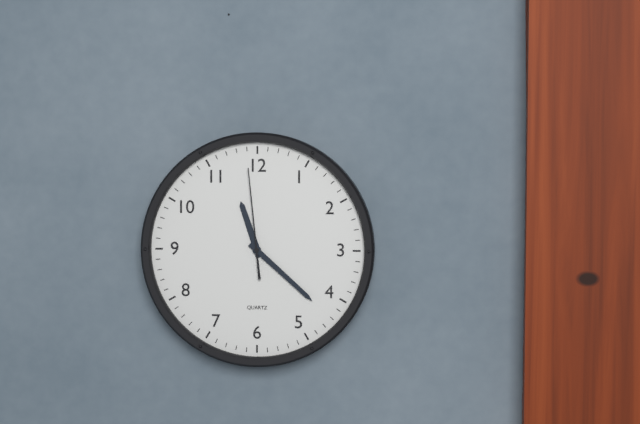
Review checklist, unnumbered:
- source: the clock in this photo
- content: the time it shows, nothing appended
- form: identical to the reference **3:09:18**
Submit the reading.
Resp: **11:22:59**
